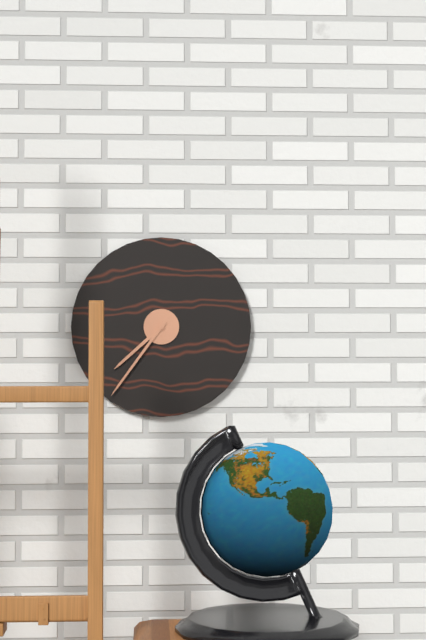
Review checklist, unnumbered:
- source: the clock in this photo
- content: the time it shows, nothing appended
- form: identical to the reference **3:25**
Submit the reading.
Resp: **7:36**
